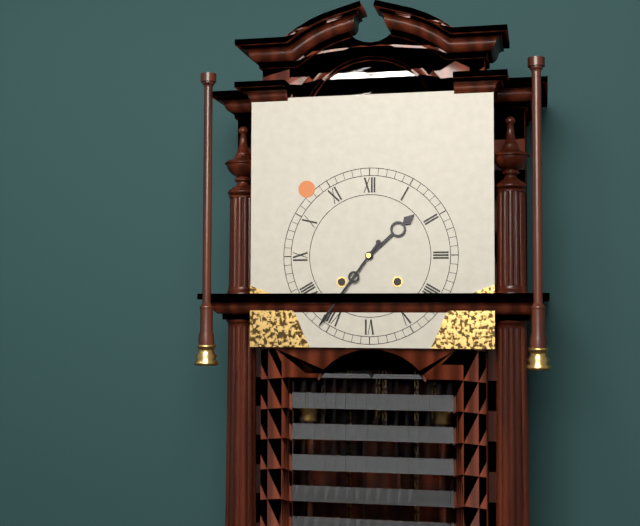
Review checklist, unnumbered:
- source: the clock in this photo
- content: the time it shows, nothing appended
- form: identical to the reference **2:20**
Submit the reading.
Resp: **1:36**
